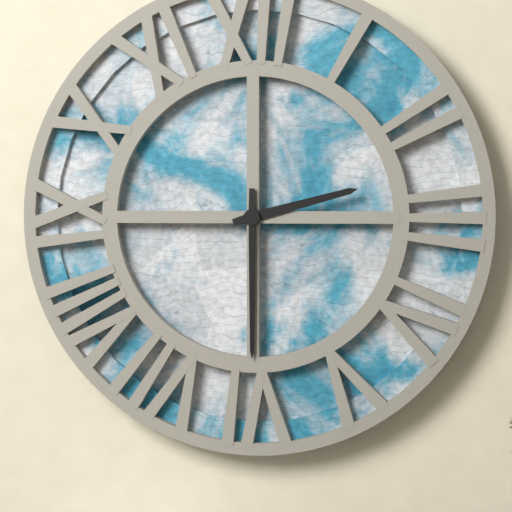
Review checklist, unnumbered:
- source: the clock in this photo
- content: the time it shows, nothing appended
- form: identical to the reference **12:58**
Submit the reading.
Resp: **2:30**
